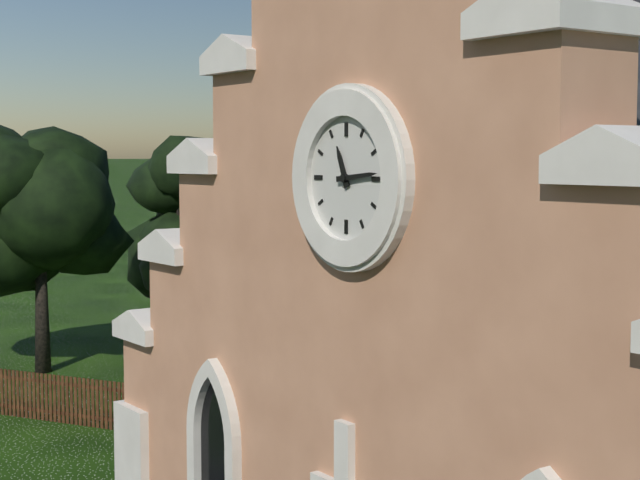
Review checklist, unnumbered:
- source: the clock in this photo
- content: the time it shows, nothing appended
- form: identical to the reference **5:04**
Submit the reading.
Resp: **11:14**
